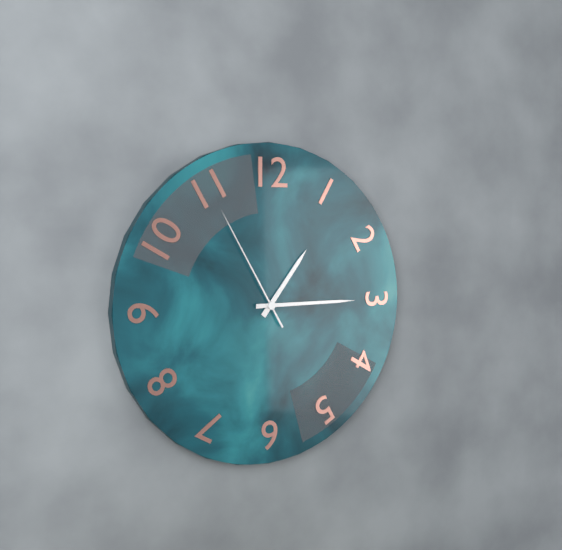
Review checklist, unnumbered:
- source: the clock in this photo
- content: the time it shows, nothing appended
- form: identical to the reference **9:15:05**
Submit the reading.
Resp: **1:15:55**
